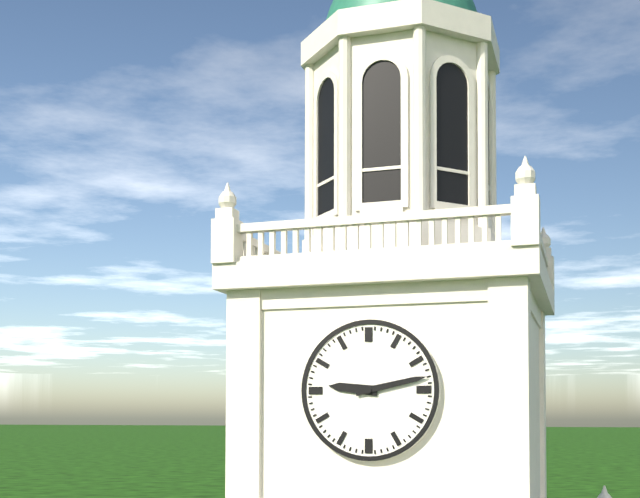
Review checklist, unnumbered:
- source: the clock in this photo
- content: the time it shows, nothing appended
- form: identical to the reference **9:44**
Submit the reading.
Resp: **9:13**
